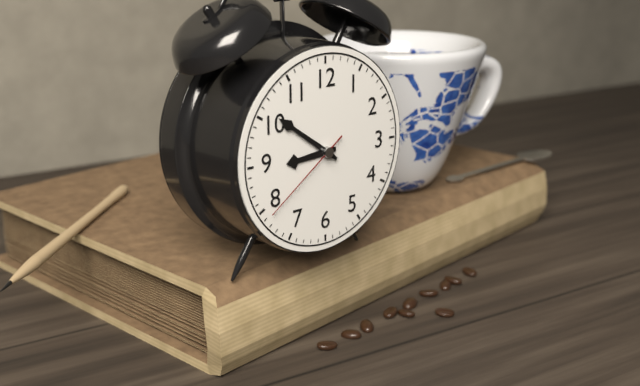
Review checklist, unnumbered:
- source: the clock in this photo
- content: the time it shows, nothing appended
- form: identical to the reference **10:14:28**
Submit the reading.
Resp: **8:51:39**
